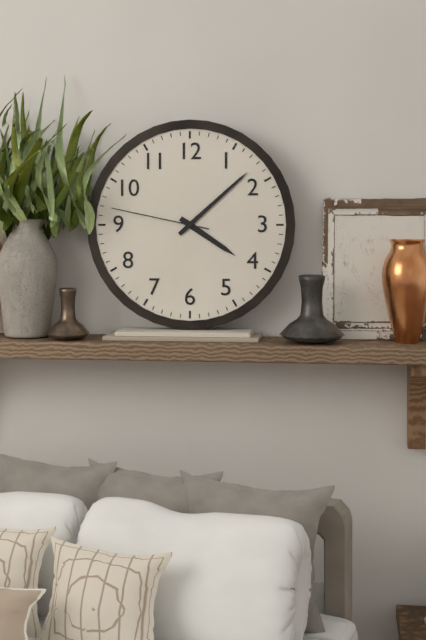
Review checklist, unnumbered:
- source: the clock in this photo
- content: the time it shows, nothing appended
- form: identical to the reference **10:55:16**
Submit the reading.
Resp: **4:08:47**
